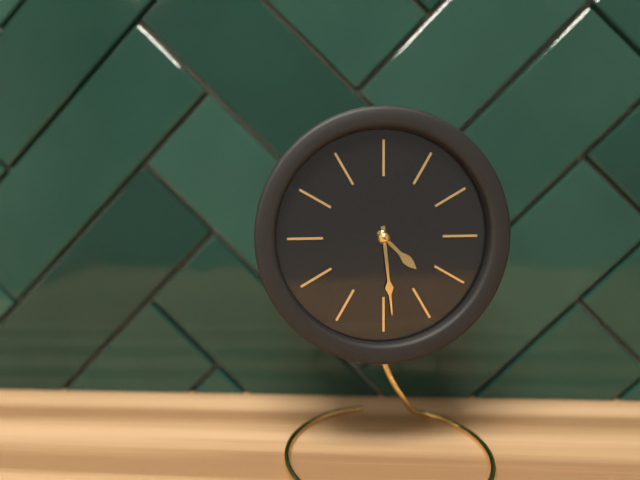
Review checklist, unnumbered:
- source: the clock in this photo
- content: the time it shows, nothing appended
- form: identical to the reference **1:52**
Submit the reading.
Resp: **4:29**
